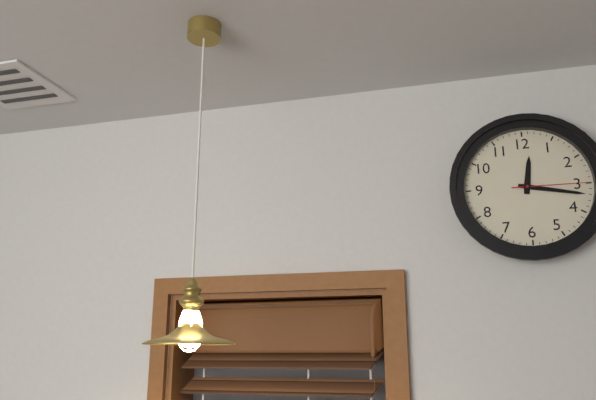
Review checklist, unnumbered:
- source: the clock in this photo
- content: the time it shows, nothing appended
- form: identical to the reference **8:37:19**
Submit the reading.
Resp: **12:17:15**
